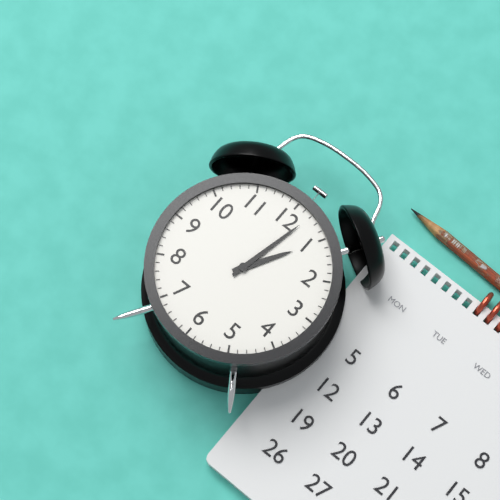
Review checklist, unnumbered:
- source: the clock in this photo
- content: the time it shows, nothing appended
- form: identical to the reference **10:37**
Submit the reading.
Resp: **1:02**
